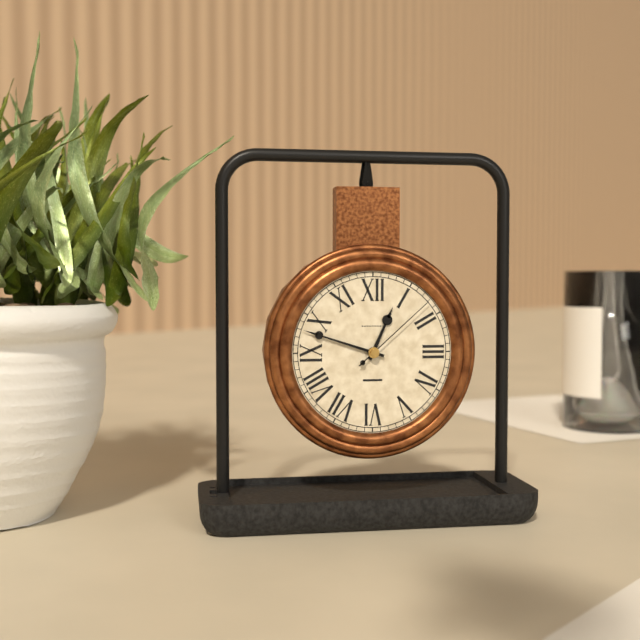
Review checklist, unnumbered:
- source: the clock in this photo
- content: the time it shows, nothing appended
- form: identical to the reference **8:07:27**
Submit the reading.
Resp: **12:48:08**
